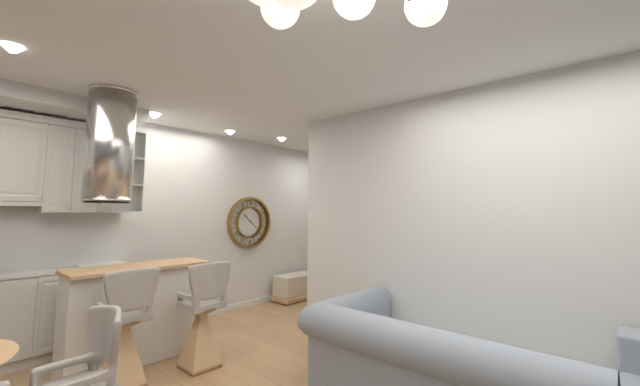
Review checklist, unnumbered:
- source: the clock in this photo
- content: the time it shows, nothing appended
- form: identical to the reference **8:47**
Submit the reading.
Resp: **10:22**
